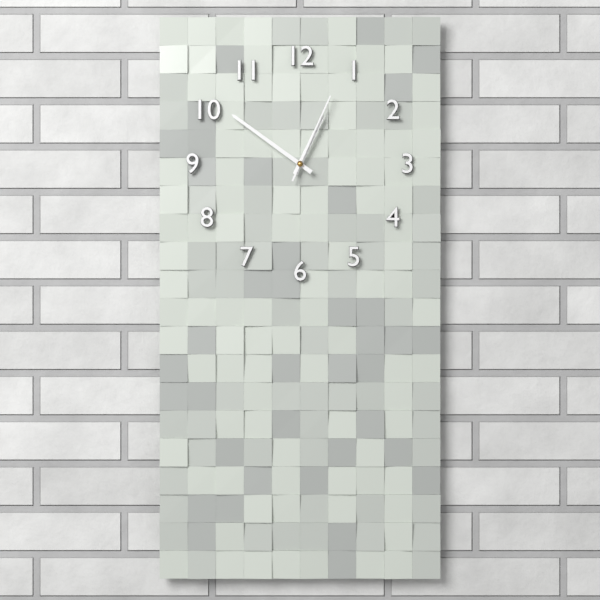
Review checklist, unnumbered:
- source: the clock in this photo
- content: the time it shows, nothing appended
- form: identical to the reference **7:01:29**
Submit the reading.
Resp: **12:51:04**
